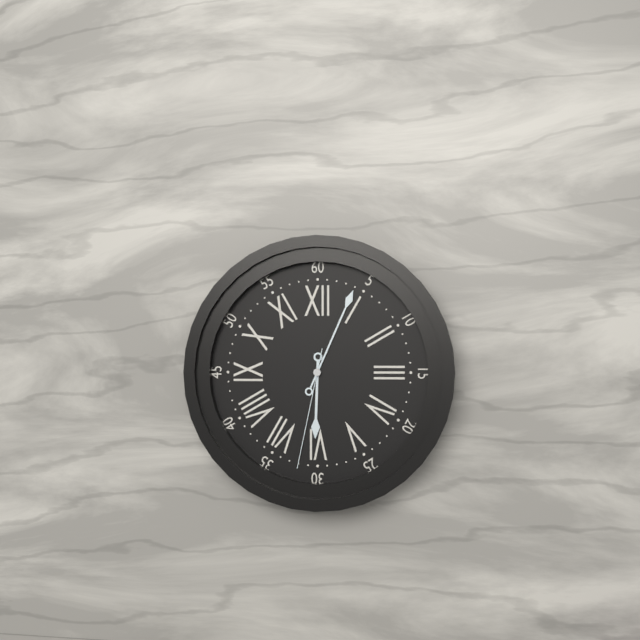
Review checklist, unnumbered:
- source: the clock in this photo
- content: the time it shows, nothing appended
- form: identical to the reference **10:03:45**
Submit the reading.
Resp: **6:04:32**
